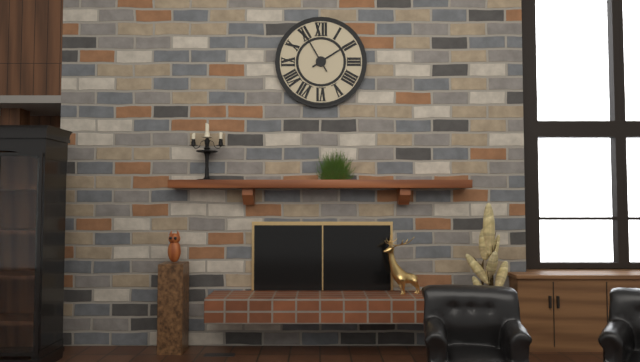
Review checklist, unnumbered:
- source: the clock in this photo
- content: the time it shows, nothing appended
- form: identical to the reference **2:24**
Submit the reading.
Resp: **1:55**
